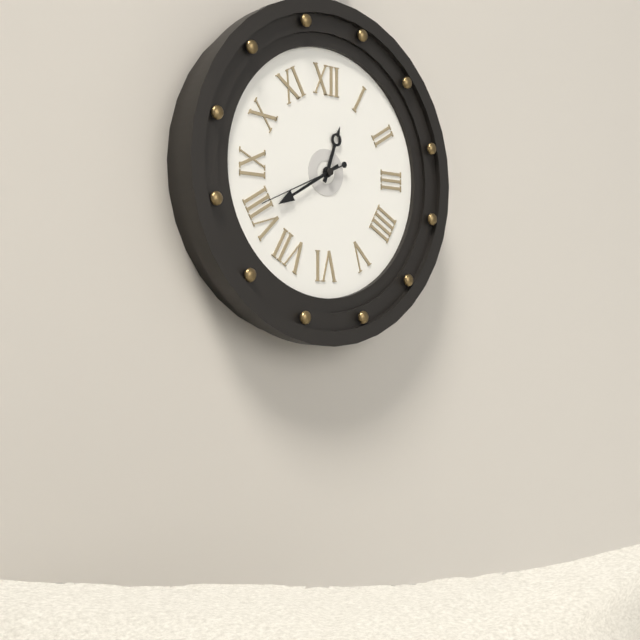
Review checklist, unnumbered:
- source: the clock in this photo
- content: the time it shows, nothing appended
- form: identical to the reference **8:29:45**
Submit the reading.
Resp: **12:40:41**
